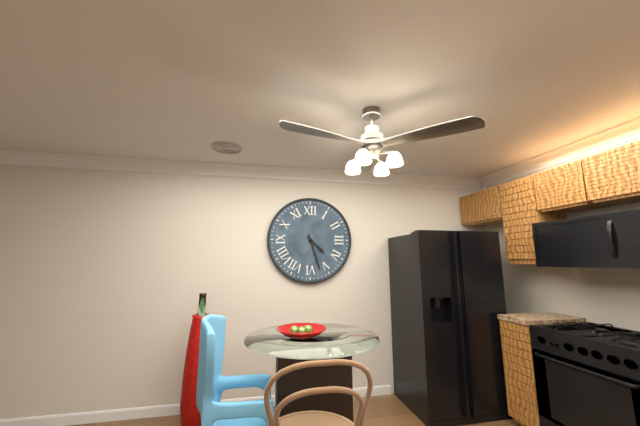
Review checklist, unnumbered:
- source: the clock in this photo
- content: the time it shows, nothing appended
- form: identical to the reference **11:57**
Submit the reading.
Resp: **4:27**
